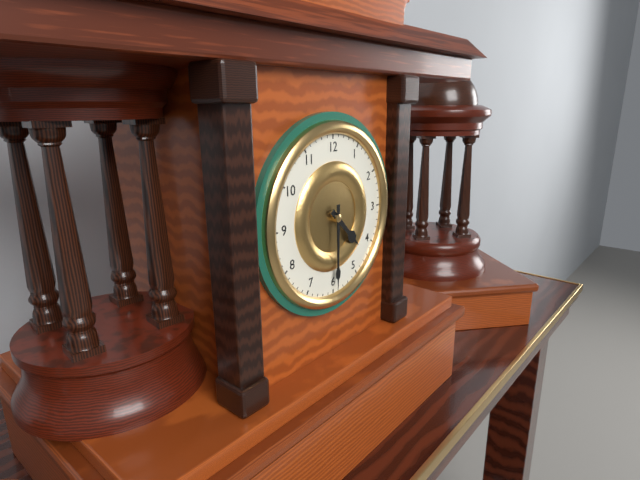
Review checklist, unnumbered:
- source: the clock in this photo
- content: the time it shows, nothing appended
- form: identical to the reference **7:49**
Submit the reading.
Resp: **4:30**
